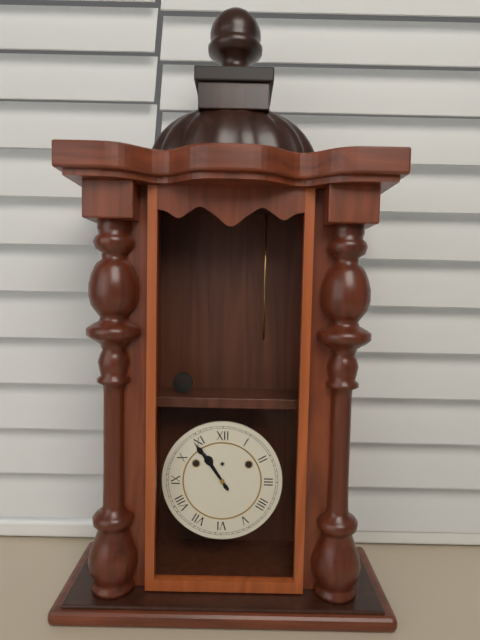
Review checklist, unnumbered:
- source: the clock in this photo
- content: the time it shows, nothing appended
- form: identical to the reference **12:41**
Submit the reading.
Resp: **10:54**
